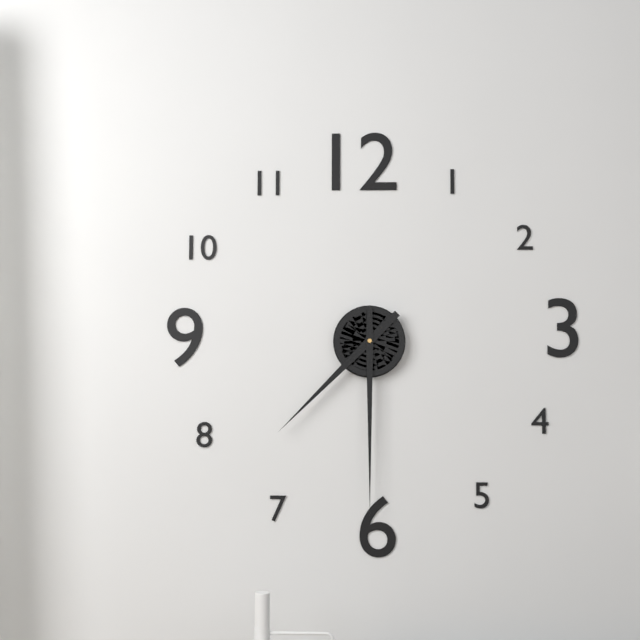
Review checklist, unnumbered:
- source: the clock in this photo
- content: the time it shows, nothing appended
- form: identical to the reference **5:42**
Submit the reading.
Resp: **7:30**
